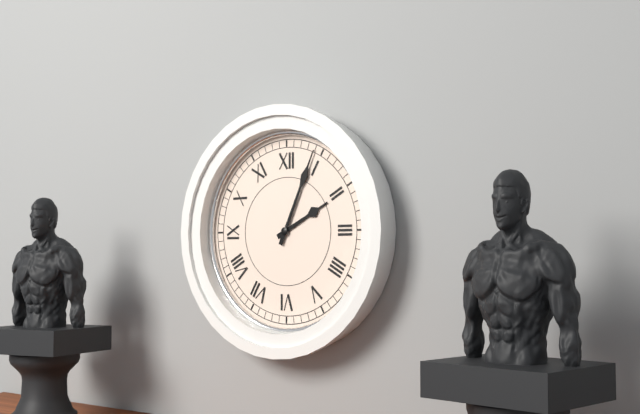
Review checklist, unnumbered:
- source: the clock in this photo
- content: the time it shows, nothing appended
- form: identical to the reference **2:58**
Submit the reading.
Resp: **2:04**
